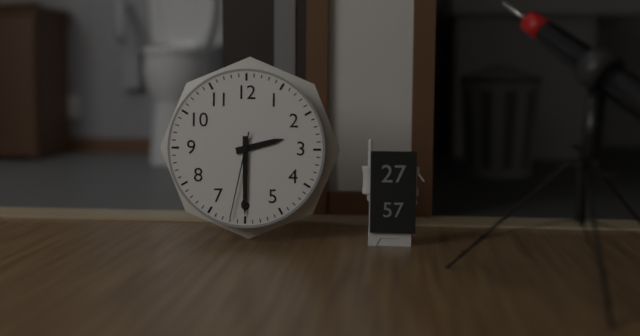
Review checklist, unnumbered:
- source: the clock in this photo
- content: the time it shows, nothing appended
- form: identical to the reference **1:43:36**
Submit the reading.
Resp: **2:30:32**
